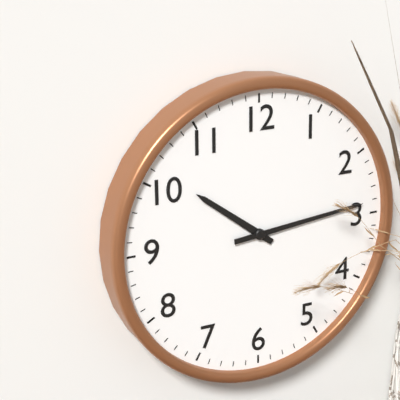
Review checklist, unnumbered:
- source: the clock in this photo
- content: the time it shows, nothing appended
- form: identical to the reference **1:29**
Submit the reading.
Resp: **10:14**
